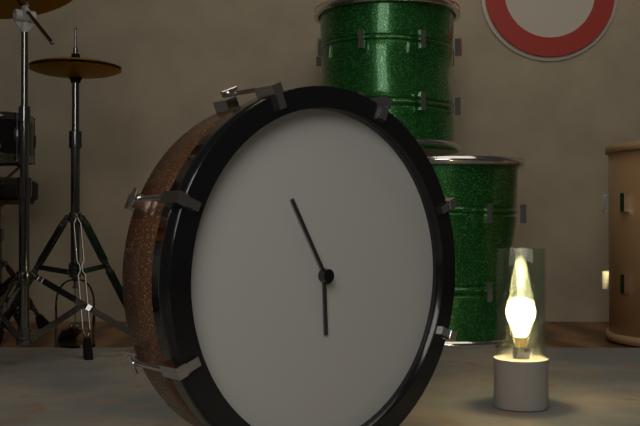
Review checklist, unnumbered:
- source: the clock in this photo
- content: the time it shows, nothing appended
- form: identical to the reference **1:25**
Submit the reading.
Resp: **5:55**
